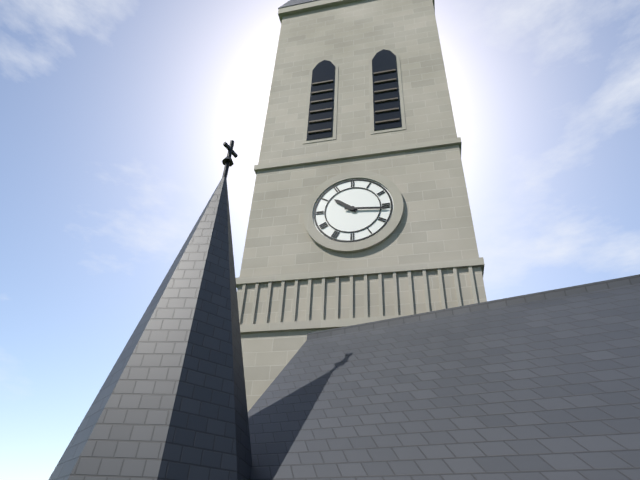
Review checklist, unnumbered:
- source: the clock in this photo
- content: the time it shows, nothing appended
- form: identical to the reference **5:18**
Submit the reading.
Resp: **10:16**
